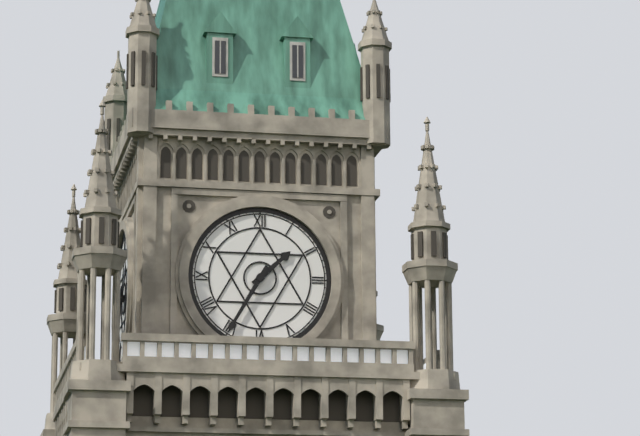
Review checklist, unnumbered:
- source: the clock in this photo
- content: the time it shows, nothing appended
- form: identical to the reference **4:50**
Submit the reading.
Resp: **1:35**
